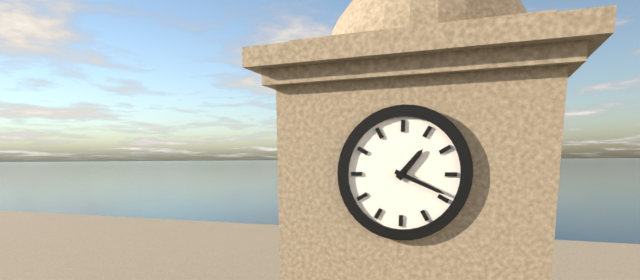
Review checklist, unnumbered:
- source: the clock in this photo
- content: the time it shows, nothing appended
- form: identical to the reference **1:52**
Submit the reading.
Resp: **1:19**
